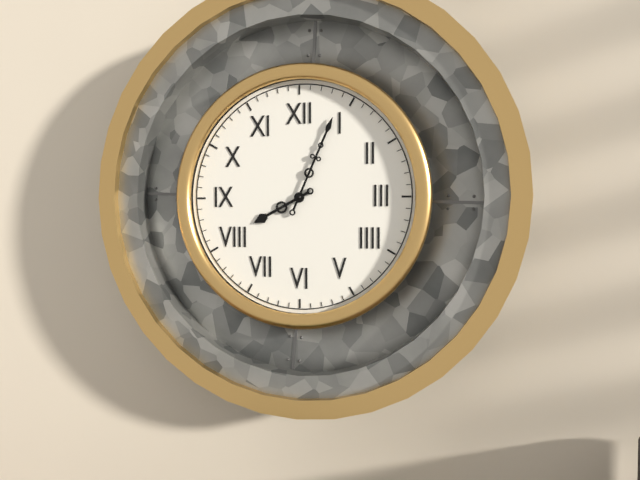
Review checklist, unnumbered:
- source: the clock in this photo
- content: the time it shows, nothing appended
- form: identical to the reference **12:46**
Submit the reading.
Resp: **8:04**
